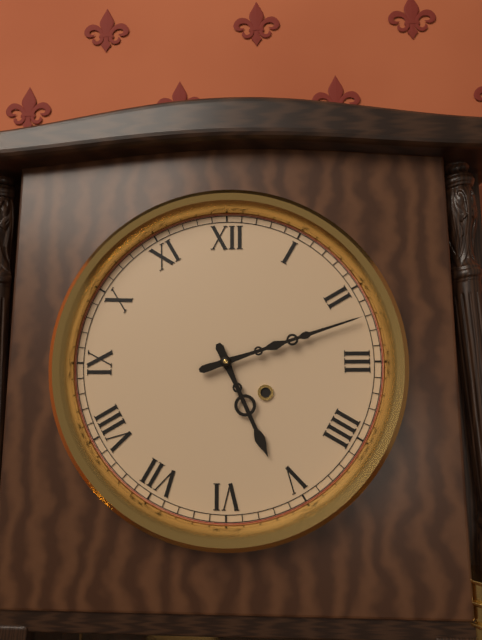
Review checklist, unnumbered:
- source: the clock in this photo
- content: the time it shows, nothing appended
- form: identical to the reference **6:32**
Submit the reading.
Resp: **5:12**
